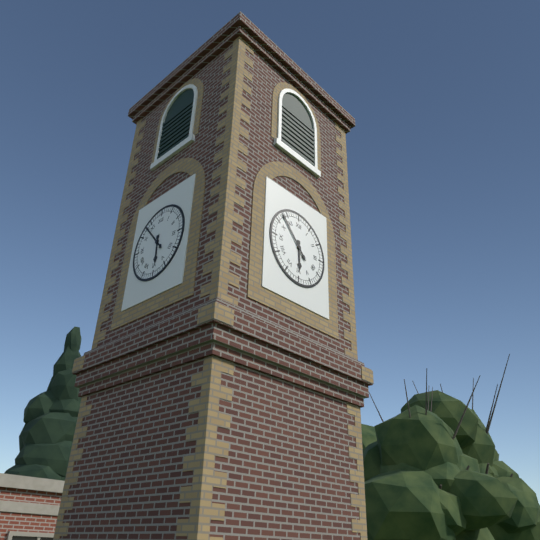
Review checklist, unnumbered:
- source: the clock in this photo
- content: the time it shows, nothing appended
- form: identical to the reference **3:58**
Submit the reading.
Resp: **5:53**
